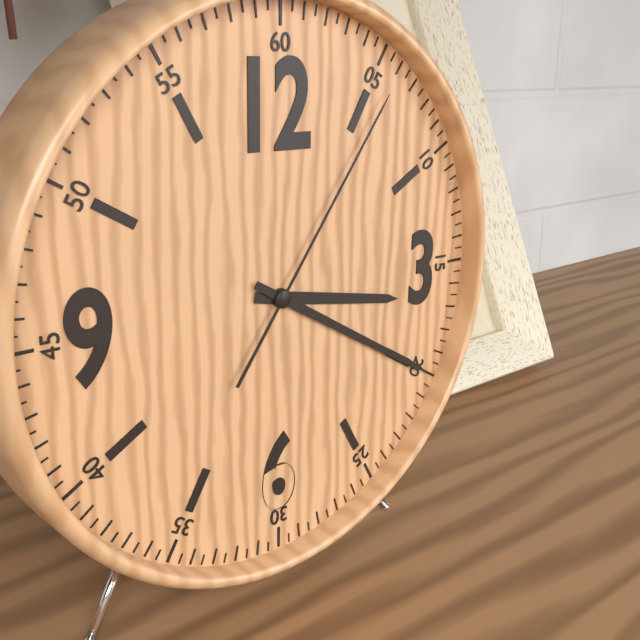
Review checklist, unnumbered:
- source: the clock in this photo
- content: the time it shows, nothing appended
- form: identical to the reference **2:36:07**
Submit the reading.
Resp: **3:20:06**
